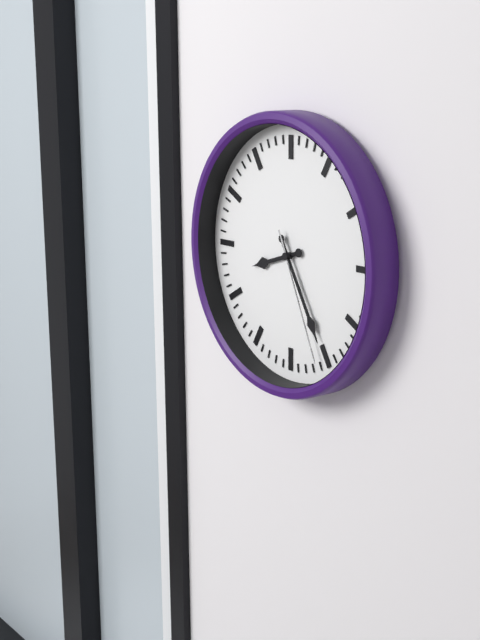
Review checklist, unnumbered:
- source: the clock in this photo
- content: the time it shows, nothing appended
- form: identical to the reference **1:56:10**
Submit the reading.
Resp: **8:25:26**
